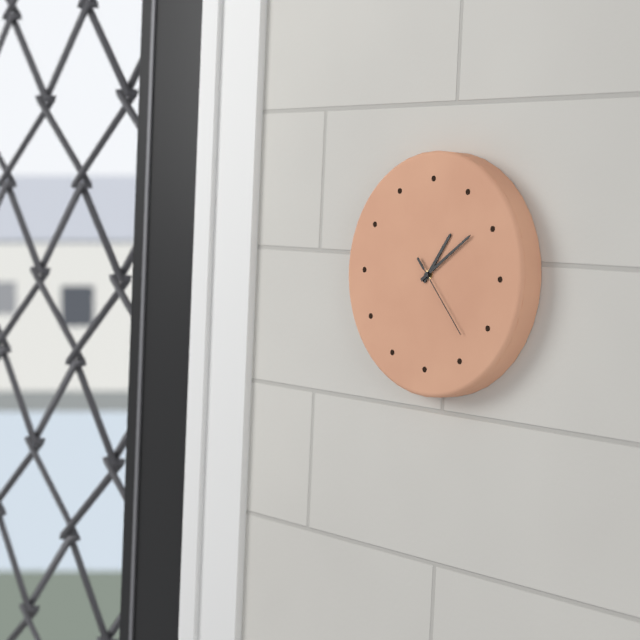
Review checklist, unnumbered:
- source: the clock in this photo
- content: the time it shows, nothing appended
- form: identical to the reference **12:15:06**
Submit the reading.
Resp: **1:09:23**
